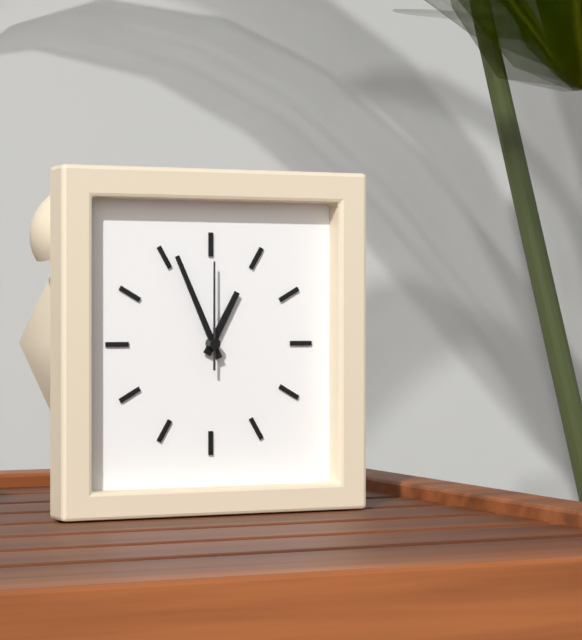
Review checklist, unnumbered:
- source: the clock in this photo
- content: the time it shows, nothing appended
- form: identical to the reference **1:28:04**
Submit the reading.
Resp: **12:56:00**
